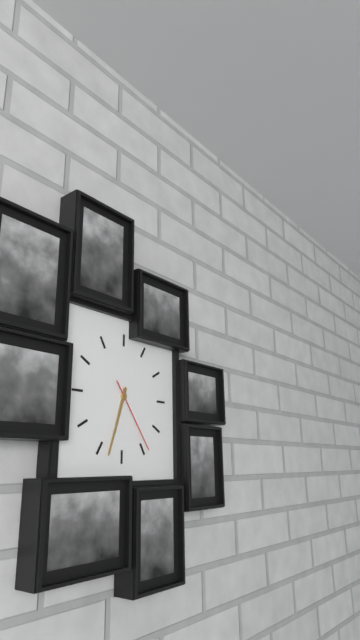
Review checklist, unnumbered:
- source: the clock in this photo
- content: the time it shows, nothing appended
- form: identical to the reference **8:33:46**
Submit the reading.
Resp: **6:33:24**
